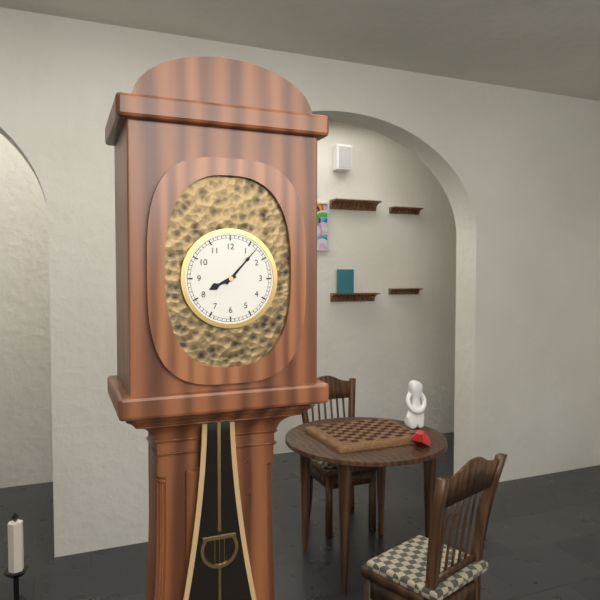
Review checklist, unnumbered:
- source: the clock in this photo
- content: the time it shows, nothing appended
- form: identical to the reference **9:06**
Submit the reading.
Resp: **8:07**
